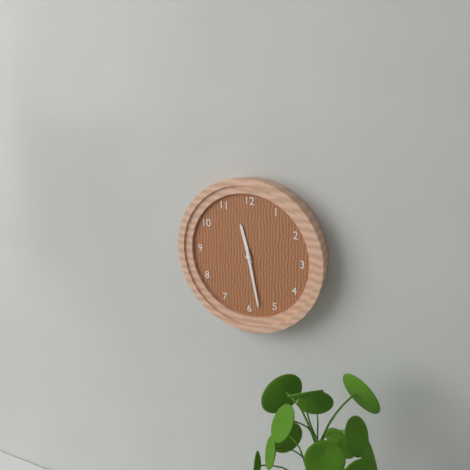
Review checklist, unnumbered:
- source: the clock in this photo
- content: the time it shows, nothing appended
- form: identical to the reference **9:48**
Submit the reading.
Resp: **11:28**
